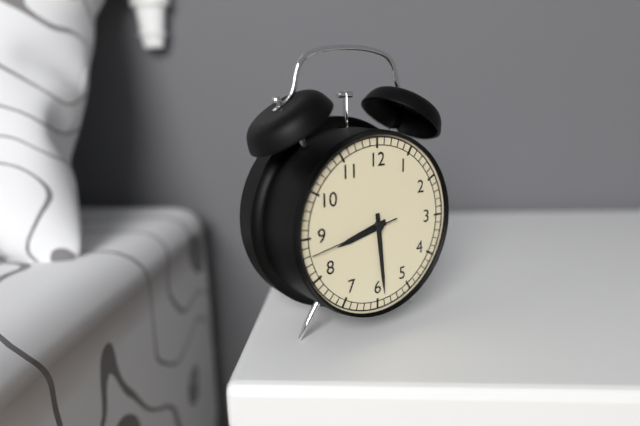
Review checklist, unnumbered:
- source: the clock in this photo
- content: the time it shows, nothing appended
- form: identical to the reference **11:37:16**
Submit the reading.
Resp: **8:29:43**
